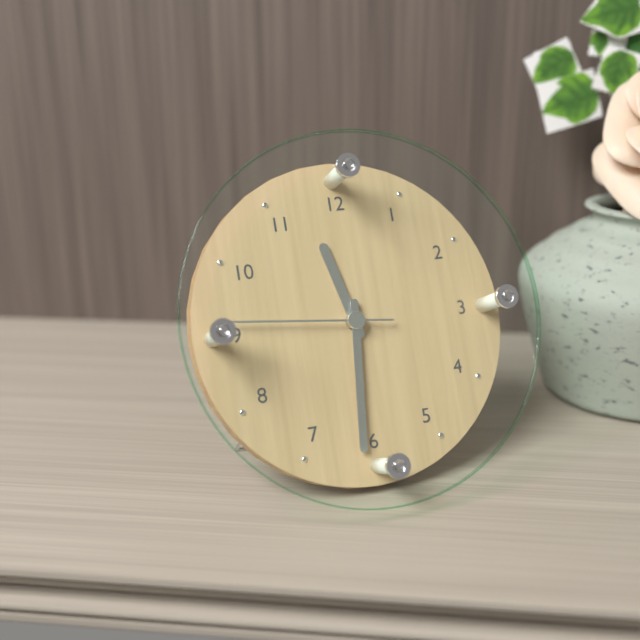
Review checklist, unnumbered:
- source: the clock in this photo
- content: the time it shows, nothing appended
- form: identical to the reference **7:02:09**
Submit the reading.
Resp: **11:31:46**
